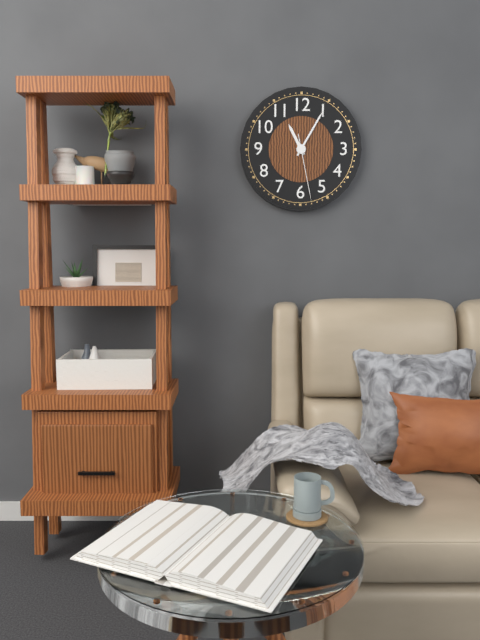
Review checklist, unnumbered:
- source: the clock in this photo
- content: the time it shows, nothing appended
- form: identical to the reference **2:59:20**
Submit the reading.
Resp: **11:05:28**
